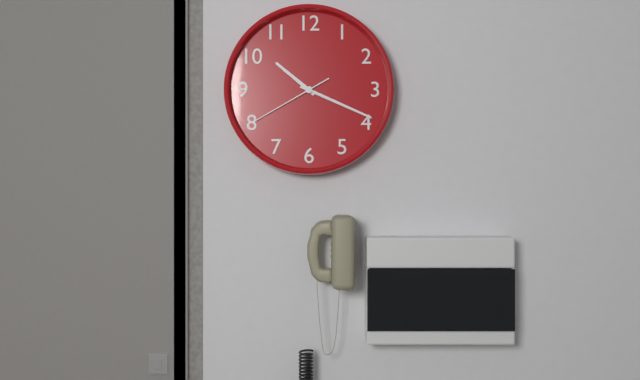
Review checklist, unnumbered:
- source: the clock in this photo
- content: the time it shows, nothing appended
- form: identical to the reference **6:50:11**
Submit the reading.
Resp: **10:19:40**
